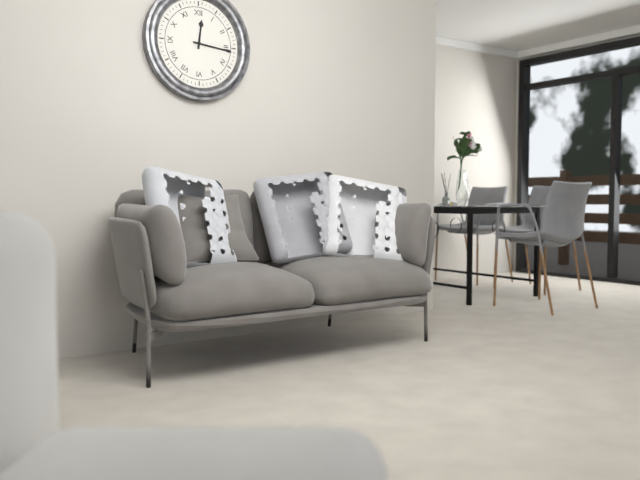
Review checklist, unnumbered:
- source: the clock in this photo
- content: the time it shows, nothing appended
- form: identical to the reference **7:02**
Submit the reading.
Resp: **12:16**
